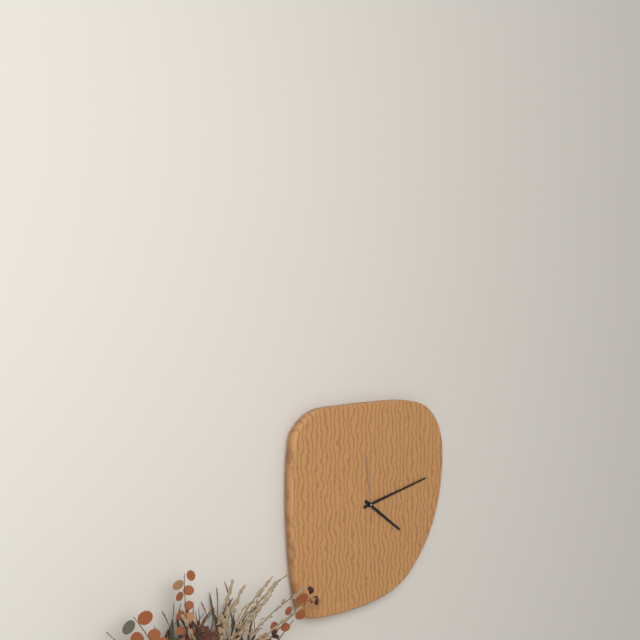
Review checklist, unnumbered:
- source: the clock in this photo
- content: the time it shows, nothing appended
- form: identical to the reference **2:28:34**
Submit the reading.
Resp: **4:13:59**
